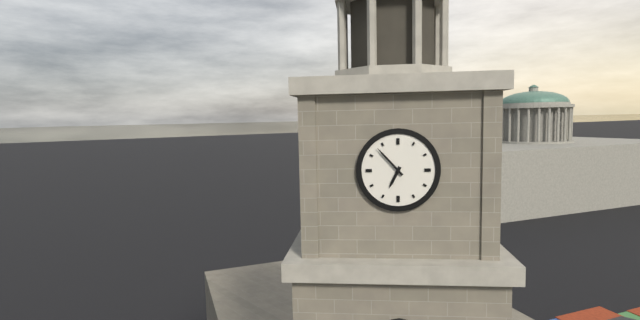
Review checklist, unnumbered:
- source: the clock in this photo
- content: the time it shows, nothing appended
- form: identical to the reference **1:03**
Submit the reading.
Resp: **6:53**
